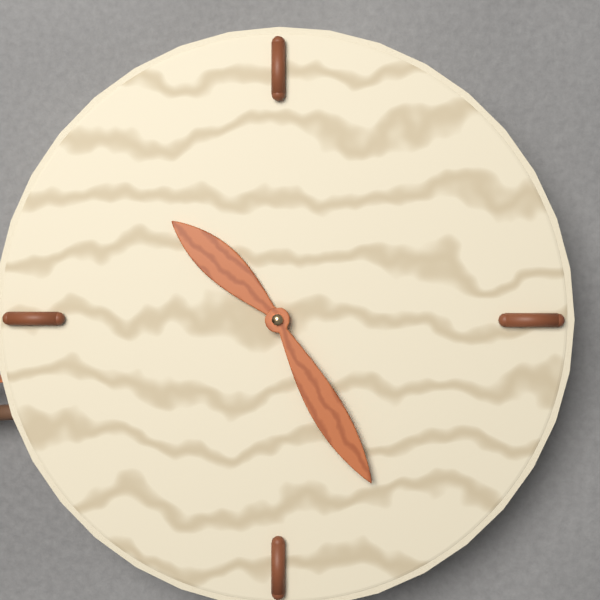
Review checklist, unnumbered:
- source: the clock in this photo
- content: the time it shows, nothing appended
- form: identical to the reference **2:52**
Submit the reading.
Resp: **10:25**
